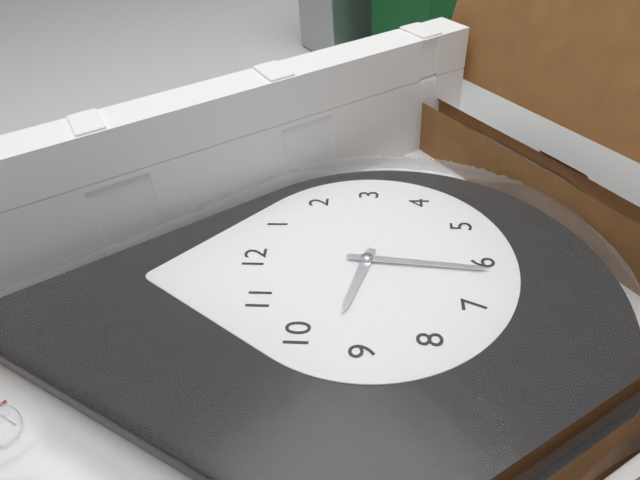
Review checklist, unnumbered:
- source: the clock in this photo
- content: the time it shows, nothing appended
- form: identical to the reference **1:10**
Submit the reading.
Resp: **9:31**
